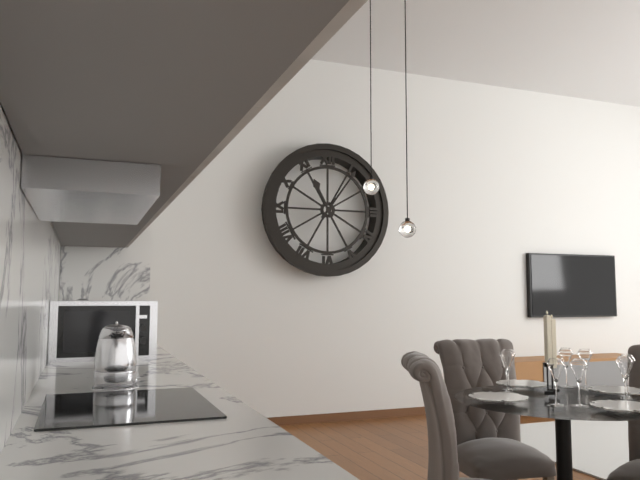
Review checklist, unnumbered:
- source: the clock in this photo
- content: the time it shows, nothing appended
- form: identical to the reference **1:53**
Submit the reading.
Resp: **11:06**
